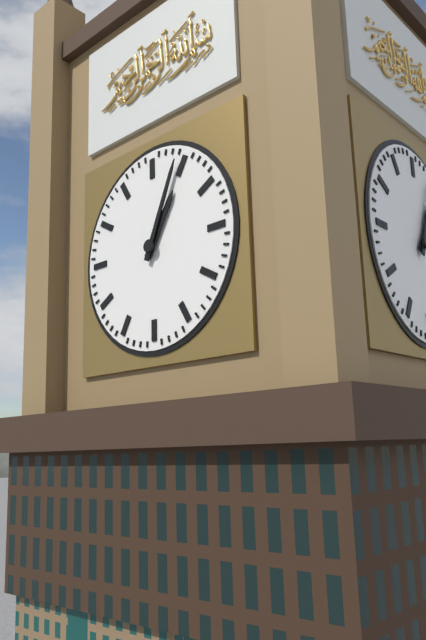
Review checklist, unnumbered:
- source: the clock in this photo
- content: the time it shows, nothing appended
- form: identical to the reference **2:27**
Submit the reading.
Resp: **1:04**
